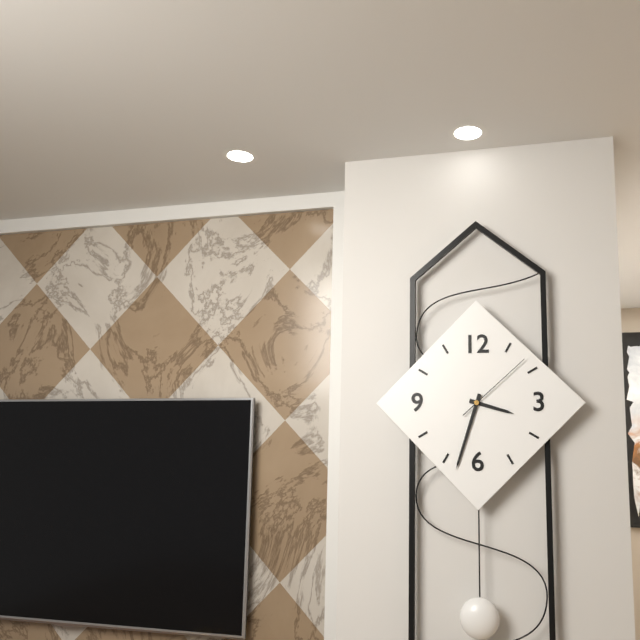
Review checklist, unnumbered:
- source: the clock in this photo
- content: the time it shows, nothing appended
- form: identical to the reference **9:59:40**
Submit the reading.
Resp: **3:33:08**
